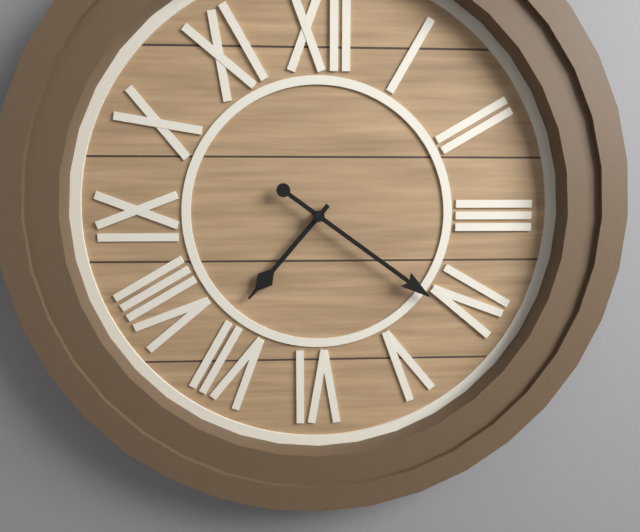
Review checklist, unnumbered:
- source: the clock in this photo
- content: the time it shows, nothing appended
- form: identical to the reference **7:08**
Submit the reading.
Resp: **7:21**
